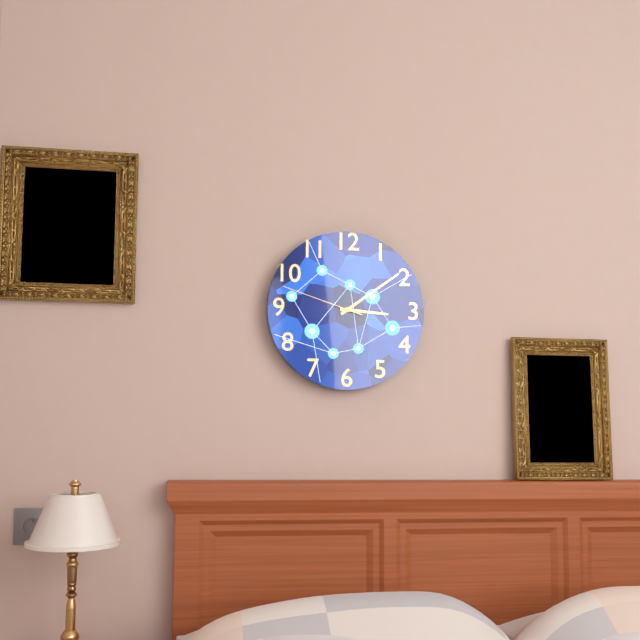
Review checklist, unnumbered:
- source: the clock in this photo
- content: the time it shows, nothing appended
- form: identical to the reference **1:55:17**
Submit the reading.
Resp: **3:09:48**
